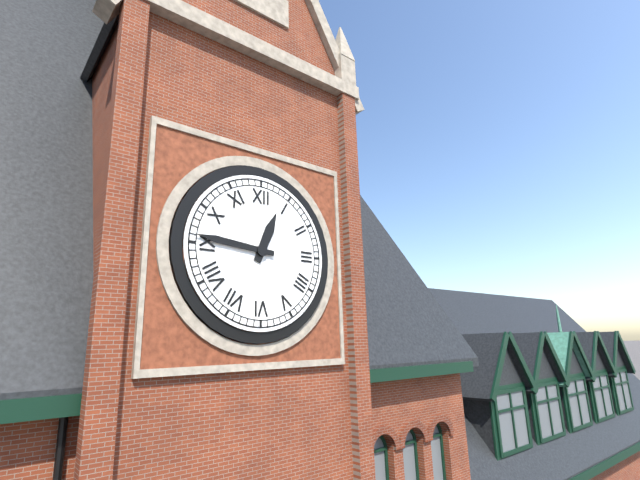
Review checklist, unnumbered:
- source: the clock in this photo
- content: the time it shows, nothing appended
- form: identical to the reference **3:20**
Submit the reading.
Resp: **12:46**
